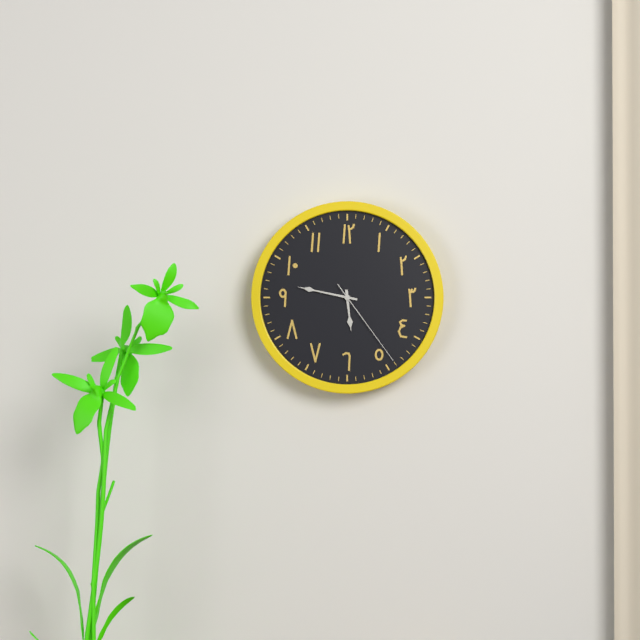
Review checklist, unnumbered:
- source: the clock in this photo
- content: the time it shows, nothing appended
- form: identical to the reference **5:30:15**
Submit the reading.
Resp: **5:47:24**
